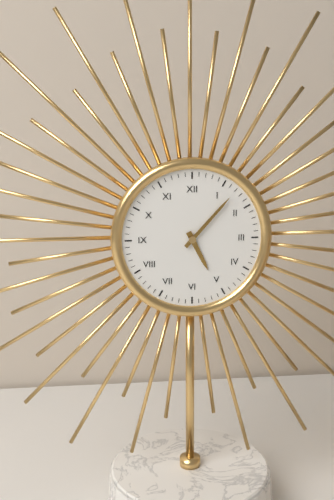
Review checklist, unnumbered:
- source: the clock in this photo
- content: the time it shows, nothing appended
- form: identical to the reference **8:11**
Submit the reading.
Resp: **5:07**
